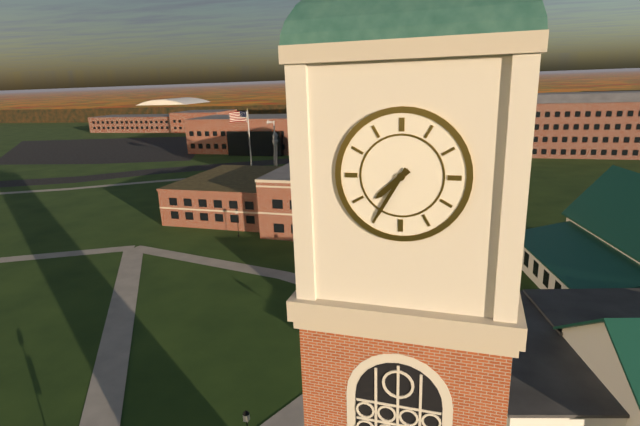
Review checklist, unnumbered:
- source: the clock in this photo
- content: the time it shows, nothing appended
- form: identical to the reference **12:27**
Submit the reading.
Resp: **7:35**
